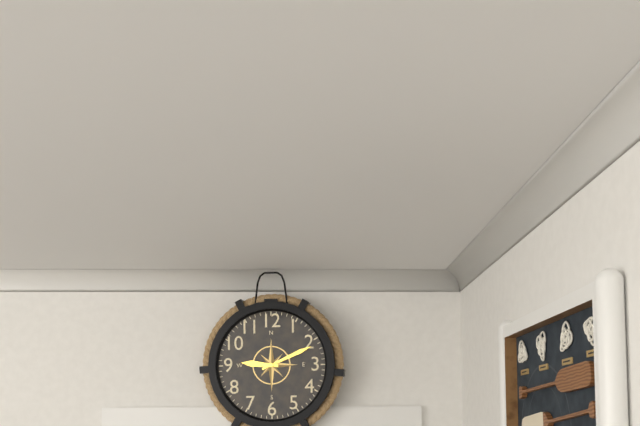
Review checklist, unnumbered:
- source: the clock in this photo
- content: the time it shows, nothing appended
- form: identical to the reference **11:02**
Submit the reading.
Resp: **9:11**
